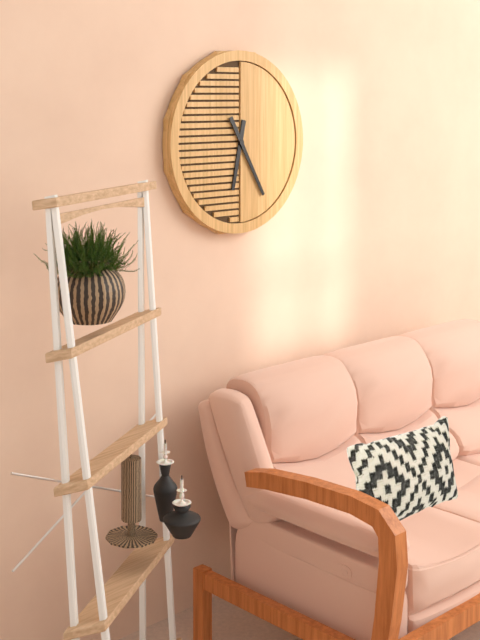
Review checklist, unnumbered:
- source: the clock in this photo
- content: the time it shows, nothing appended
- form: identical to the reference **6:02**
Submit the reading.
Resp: **6:25**
